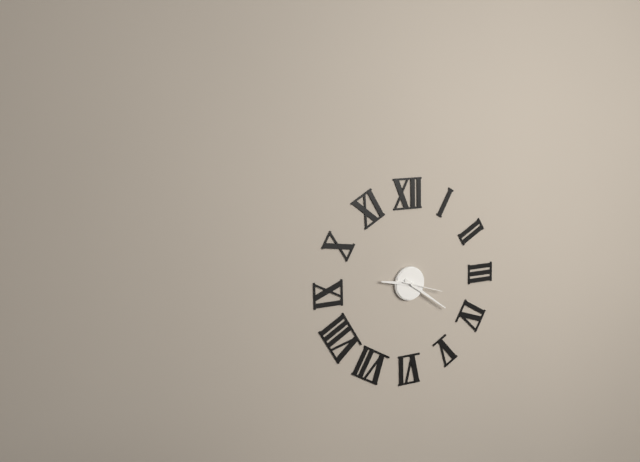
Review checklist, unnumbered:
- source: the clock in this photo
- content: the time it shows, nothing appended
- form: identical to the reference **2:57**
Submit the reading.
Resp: **9:21**
